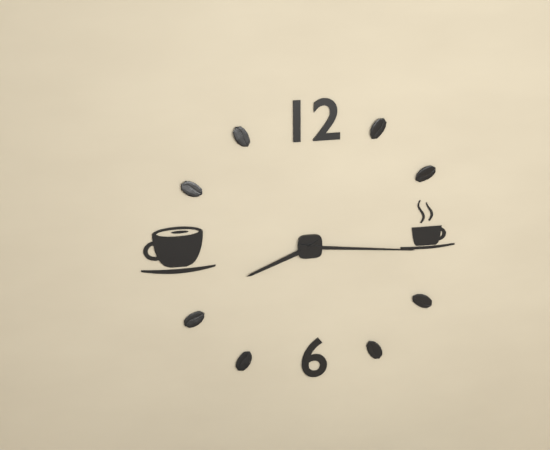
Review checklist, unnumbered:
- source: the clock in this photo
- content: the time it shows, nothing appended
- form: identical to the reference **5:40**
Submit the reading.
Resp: **8:16**
